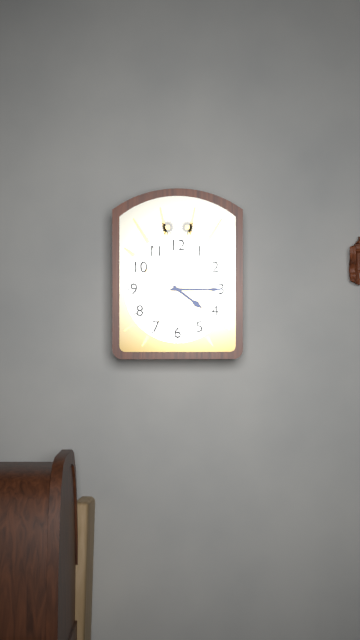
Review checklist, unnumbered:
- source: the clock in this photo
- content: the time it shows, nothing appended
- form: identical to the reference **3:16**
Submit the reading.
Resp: **4:15**
